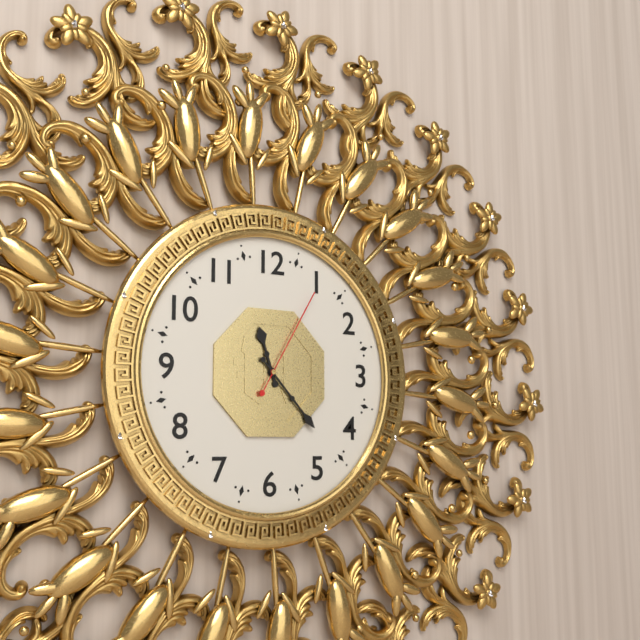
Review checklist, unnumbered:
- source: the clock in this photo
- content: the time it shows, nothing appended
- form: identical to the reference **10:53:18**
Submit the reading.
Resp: **11:23:05**
